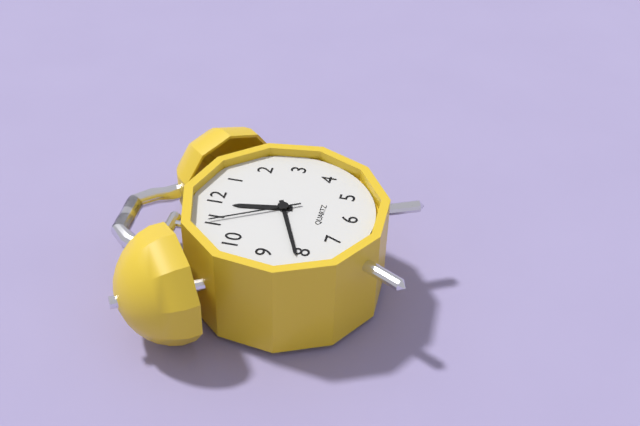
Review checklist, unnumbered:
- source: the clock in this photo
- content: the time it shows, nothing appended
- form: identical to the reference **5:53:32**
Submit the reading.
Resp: **11:41:55**
